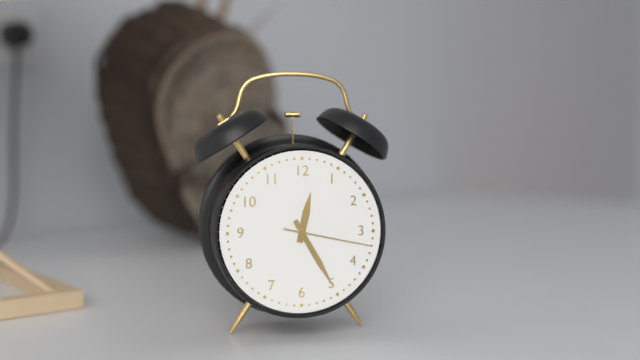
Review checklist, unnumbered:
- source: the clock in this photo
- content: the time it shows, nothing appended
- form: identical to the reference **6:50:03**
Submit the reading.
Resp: **12:25:17**
